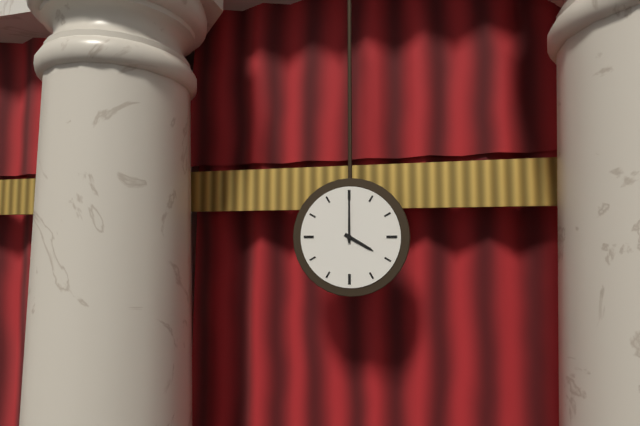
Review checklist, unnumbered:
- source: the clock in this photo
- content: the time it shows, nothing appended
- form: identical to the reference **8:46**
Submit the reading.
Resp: **4:00**
